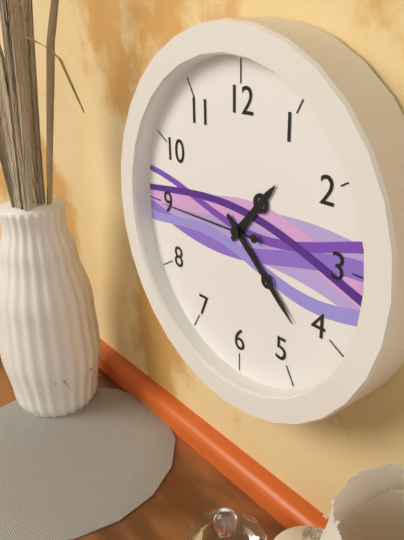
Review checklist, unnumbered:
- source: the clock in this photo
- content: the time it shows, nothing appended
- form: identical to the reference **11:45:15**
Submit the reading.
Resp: **1:22:45**
